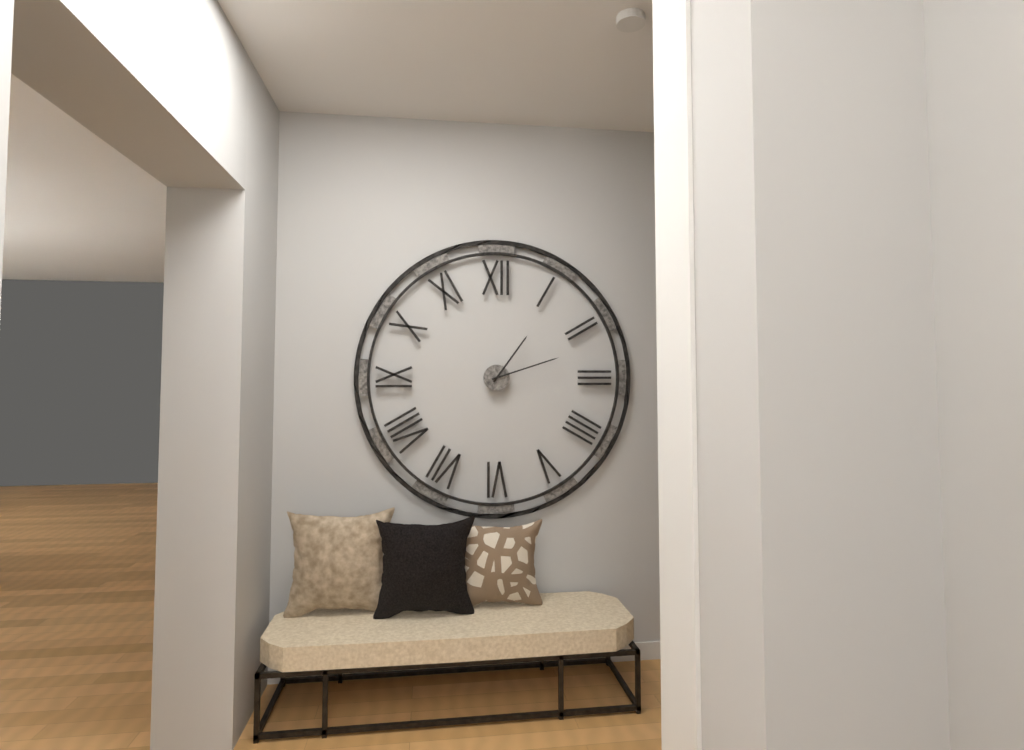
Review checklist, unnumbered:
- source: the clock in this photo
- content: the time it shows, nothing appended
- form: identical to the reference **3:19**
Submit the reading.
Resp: **1:12**
